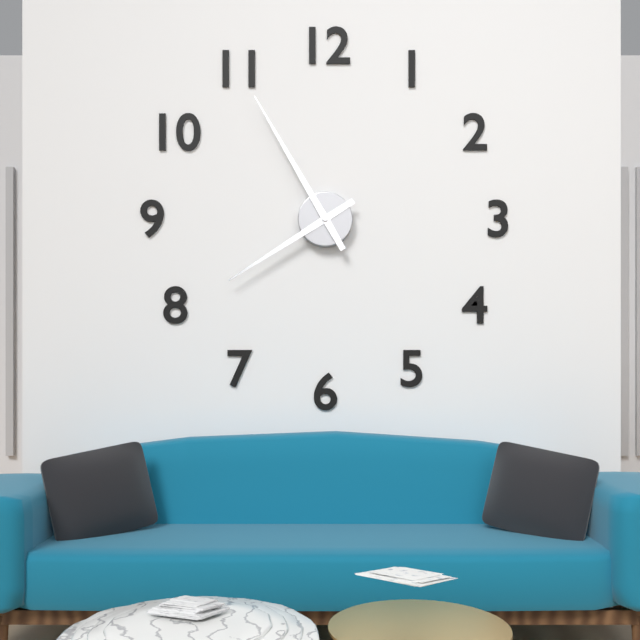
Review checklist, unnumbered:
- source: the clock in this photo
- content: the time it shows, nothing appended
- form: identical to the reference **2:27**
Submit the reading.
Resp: **7:55**
